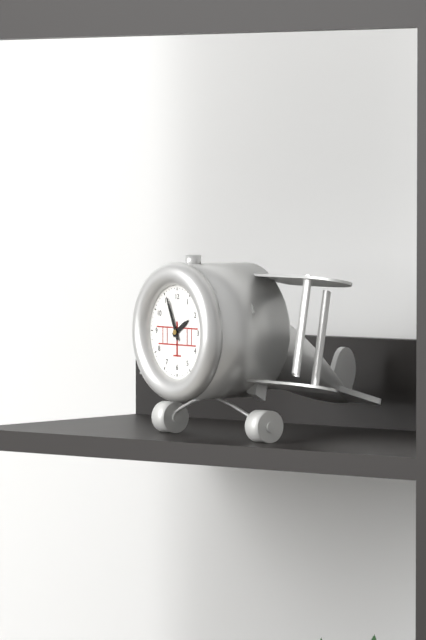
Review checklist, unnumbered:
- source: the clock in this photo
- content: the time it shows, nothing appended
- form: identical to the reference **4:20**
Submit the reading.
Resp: **1:56**
